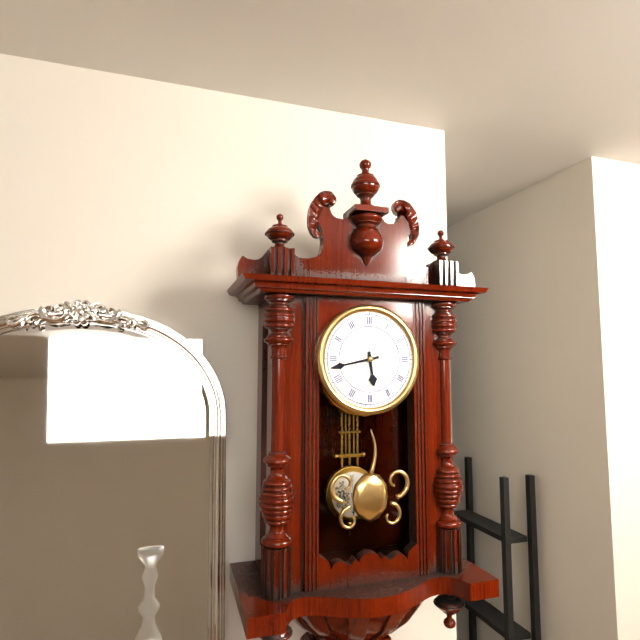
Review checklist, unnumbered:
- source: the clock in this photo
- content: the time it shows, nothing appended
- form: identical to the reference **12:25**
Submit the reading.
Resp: **5:43**
